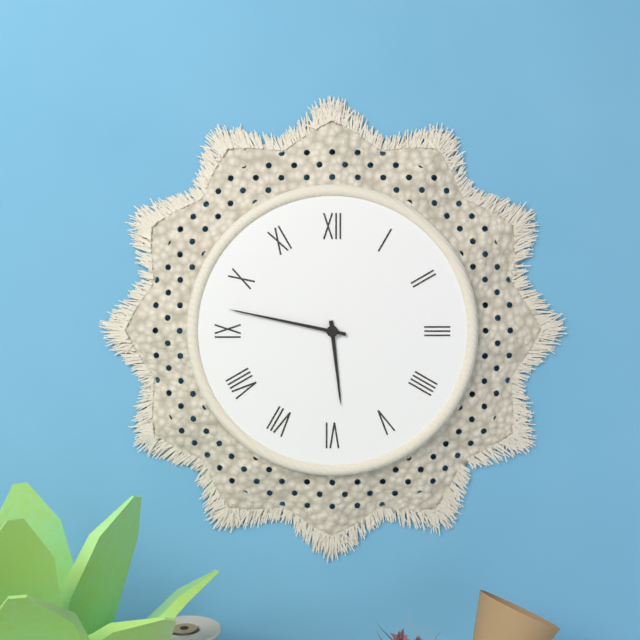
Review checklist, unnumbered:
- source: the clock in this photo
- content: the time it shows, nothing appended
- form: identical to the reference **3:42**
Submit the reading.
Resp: **5:47**
